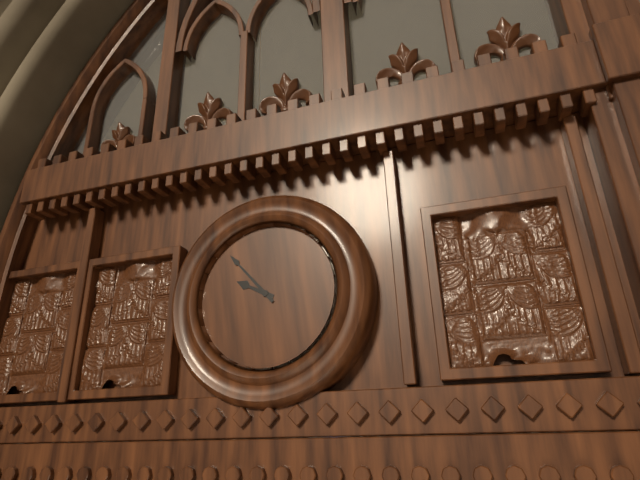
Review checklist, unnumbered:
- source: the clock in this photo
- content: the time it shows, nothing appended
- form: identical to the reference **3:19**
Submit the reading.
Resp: **9:53**
